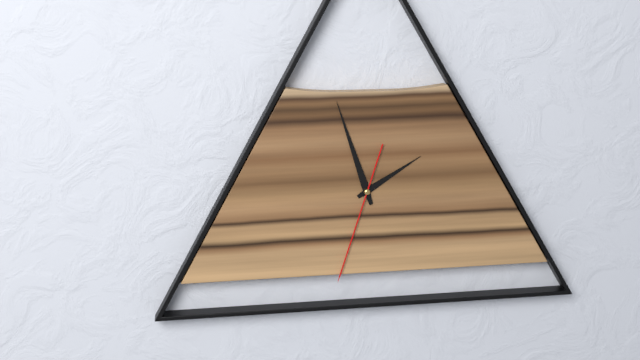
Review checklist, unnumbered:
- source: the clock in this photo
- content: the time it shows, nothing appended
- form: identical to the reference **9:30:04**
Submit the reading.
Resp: **1:57:33**
